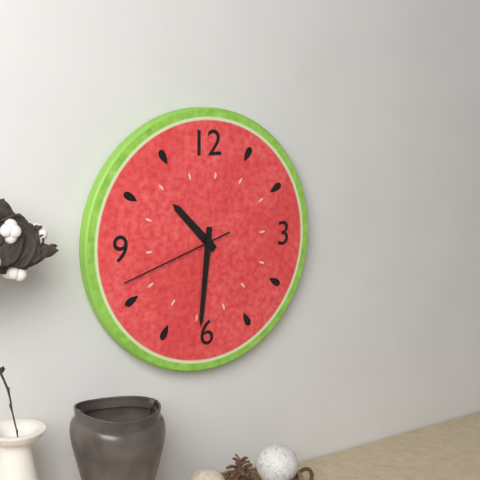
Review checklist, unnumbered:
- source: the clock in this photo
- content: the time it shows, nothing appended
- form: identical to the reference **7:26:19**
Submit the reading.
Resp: **10:31:42**
